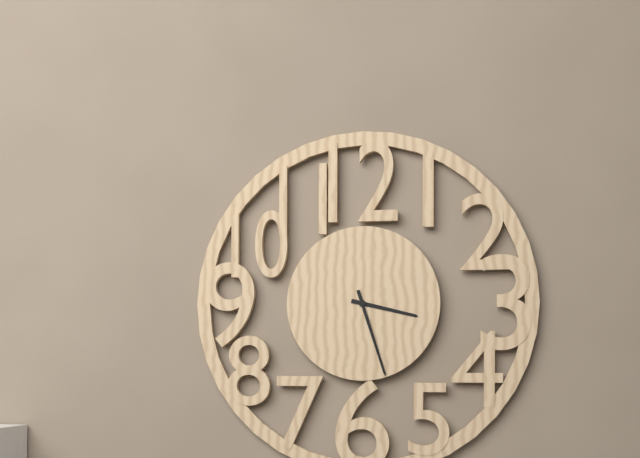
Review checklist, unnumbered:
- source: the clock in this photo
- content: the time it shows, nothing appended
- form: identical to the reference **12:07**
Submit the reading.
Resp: **3:27**
